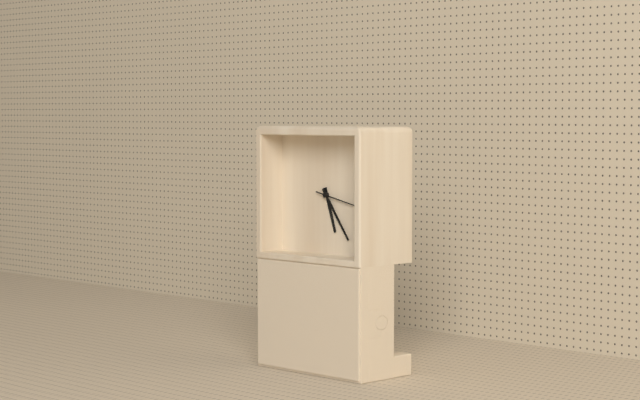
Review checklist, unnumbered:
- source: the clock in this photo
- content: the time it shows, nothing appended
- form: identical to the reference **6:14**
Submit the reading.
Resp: **5:24**
